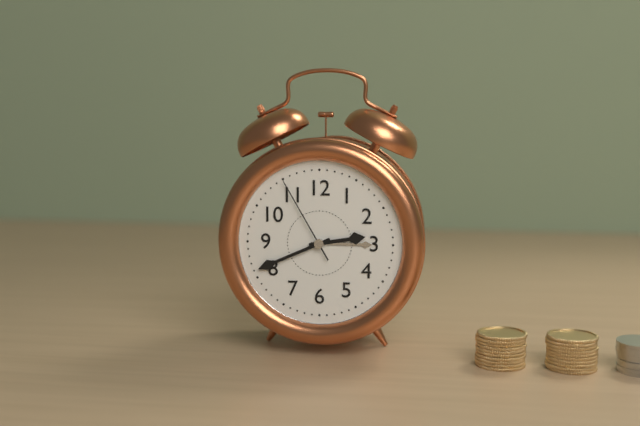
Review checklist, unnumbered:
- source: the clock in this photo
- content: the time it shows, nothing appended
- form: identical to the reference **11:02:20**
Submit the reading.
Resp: **2:41:55**
